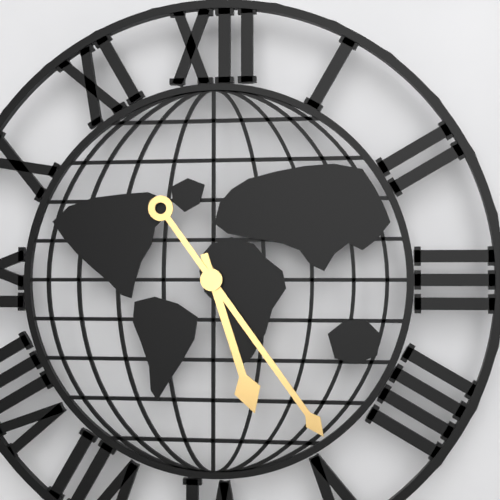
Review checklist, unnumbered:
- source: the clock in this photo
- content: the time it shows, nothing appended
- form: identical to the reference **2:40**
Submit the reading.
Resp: **5:24**
